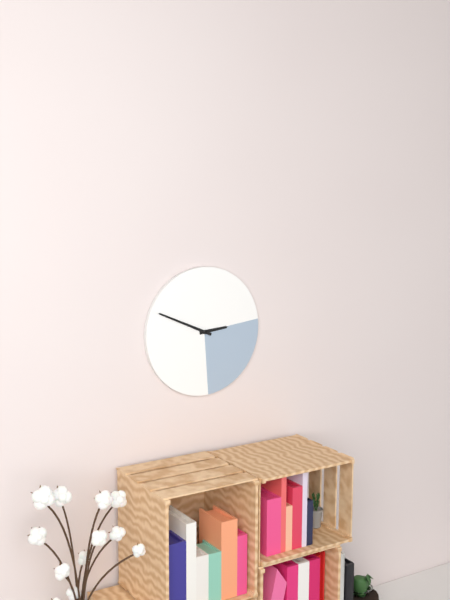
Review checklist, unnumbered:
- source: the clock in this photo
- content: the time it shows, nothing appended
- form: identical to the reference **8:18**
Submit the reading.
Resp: **2:49**
